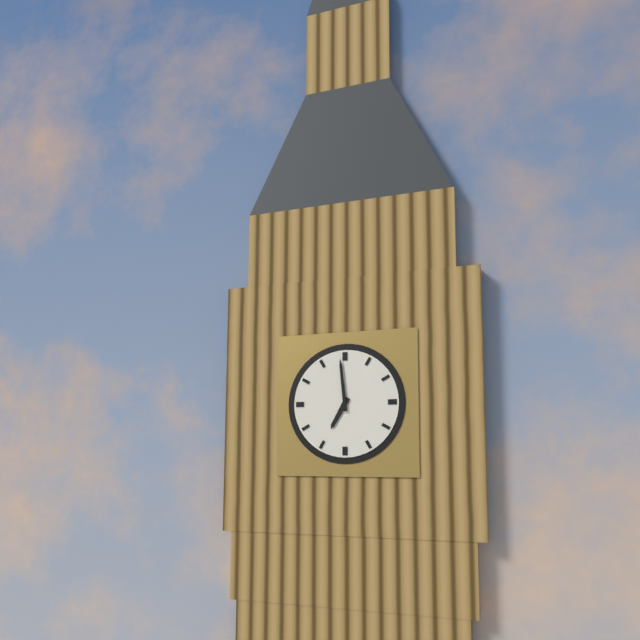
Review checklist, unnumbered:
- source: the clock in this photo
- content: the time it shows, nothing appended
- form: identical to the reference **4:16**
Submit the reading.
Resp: **6:59**
